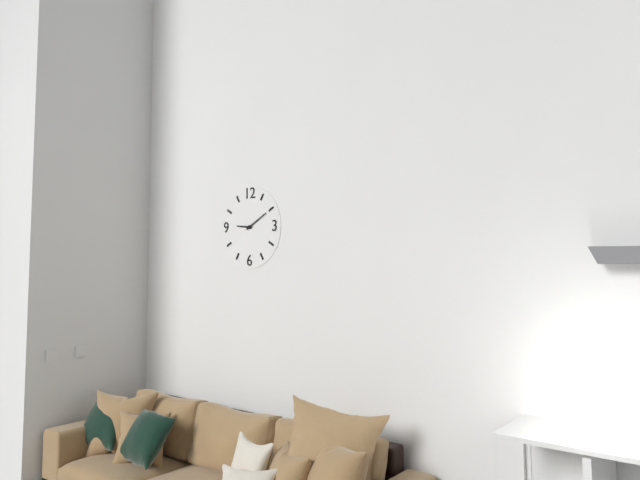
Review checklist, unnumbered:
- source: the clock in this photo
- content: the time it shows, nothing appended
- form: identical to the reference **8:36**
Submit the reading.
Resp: **9:10**
